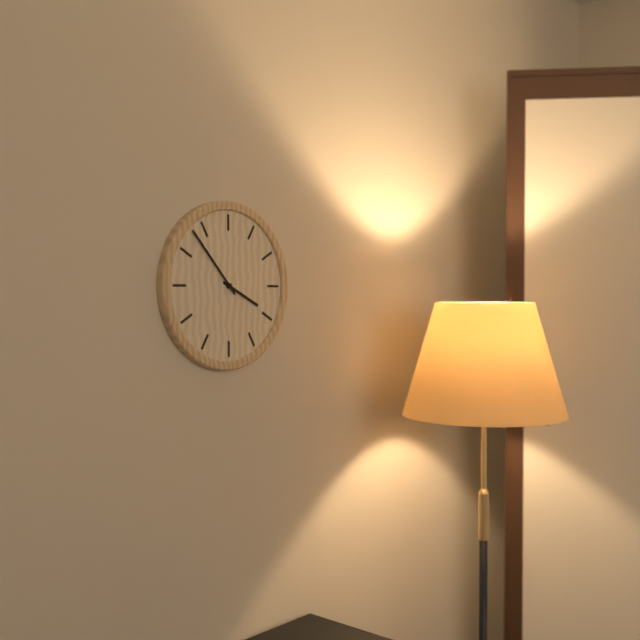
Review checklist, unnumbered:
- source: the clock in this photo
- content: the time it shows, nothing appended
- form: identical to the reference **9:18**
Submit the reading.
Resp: **3:53**
